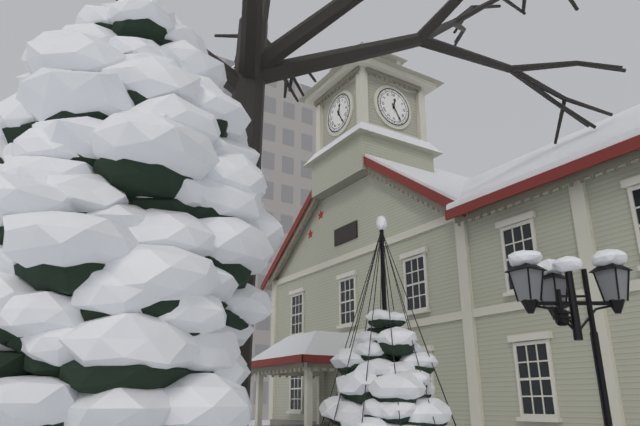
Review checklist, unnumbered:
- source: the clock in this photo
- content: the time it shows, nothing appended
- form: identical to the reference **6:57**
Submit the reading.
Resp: **12:25**
